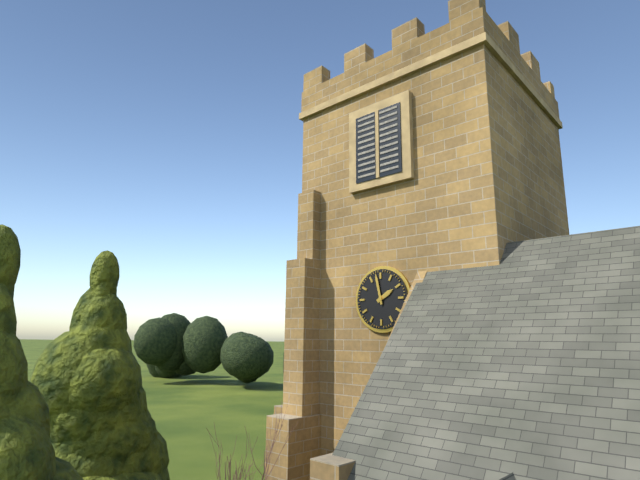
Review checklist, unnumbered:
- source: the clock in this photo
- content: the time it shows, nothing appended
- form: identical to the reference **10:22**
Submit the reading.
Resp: **1:58**
